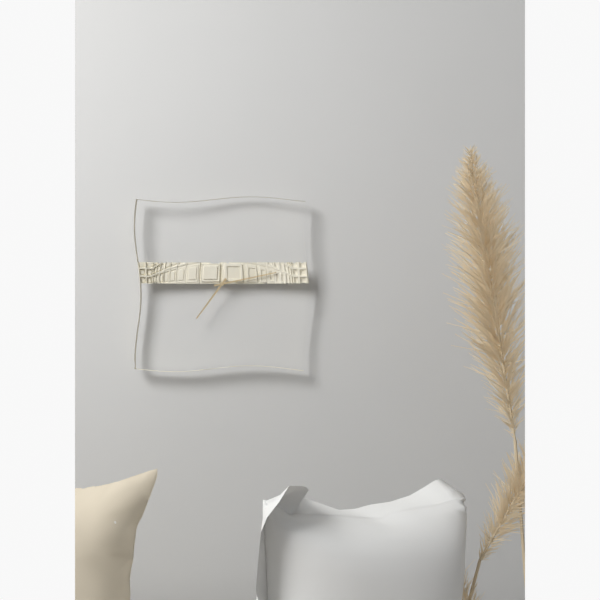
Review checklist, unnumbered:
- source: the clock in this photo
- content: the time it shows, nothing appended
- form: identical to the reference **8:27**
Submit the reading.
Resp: **7:13**
